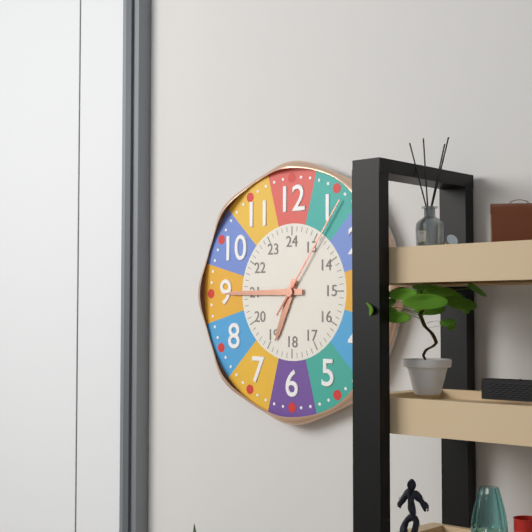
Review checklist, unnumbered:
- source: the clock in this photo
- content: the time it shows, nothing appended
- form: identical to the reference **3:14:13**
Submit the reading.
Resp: **6:45:06**
